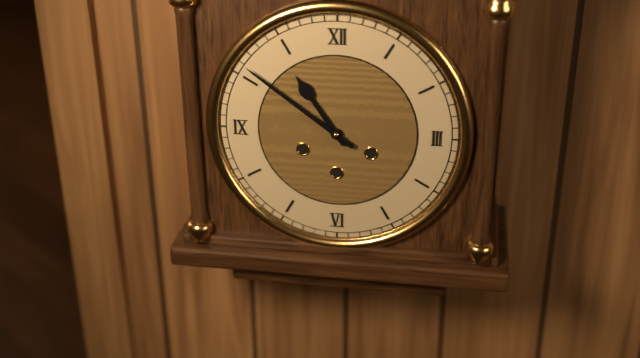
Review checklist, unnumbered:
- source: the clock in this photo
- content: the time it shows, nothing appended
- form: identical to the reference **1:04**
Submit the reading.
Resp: **10:51**
